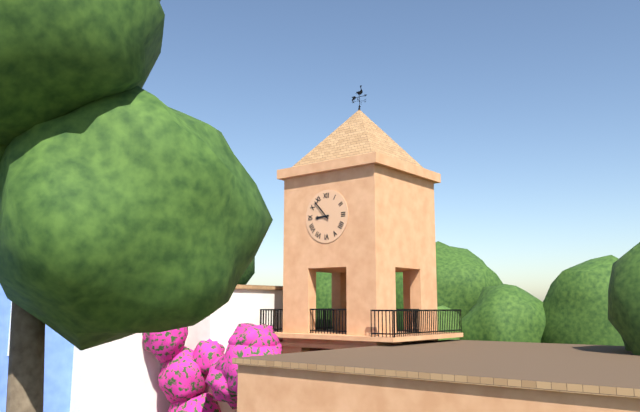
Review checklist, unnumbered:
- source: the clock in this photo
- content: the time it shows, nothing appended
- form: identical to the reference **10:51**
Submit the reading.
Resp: **8:53**
